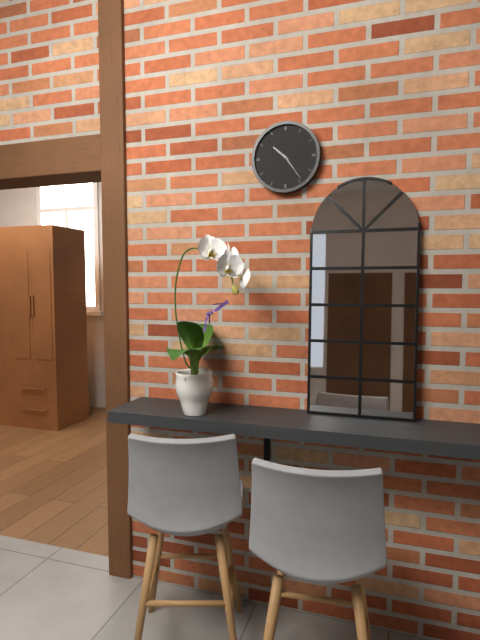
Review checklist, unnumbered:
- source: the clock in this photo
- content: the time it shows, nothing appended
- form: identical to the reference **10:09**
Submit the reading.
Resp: **10:24**
